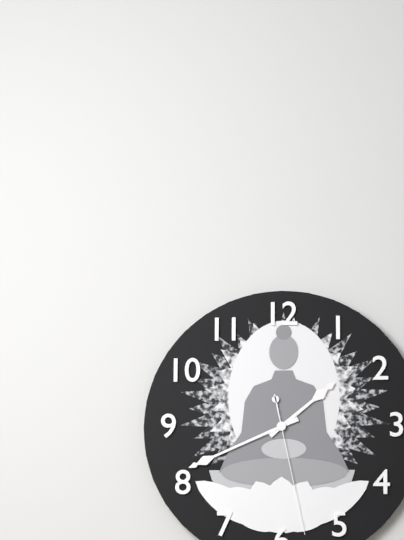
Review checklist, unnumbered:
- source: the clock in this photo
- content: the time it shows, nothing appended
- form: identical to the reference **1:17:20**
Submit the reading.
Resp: **1:41:28**
